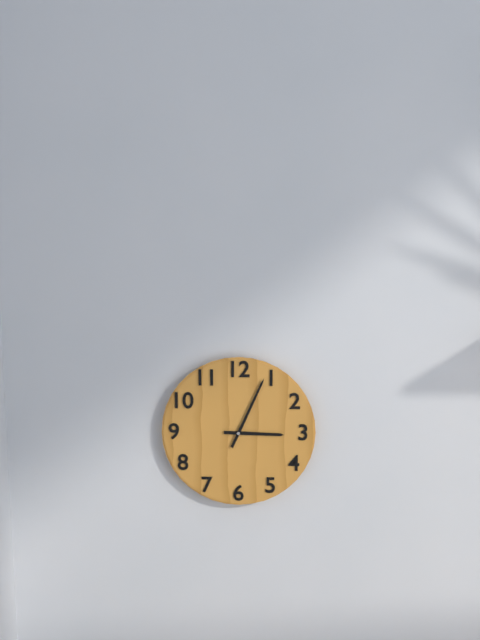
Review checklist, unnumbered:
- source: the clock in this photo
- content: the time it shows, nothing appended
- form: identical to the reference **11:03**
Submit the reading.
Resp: **3:04**
